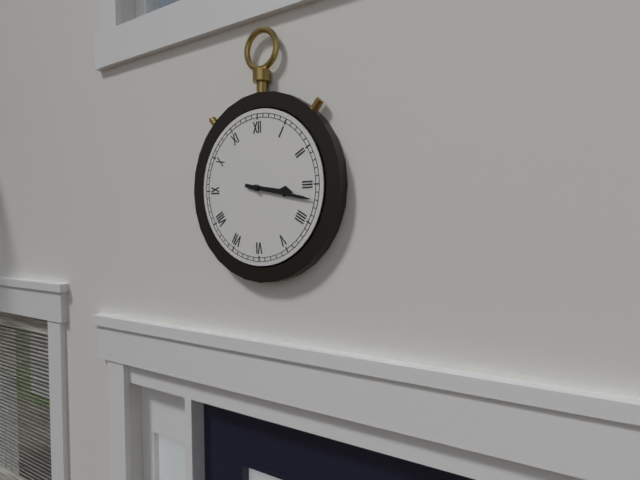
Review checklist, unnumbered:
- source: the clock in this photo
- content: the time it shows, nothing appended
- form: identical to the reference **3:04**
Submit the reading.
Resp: **3:17**
